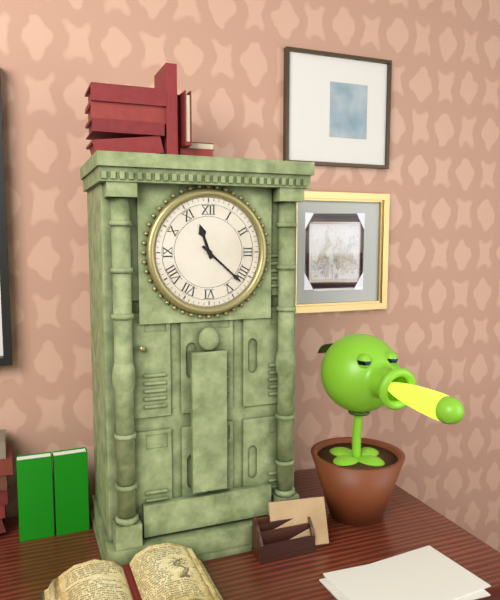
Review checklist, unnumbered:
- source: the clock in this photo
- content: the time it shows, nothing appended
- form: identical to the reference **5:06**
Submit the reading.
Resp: **11:22**
